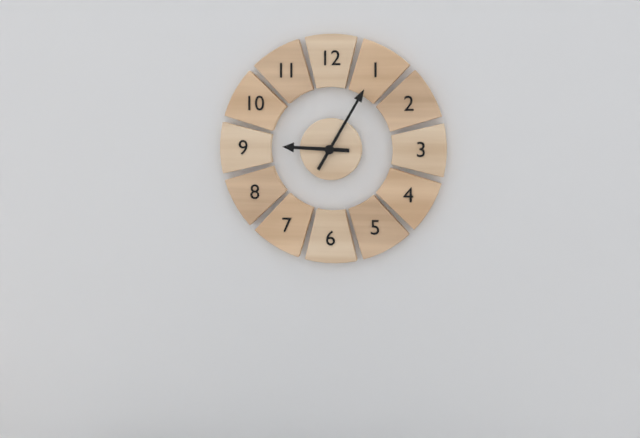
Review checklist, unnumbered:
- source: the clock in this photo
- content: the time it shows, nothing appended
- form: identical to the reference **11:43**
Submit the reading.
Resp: **9:05**
